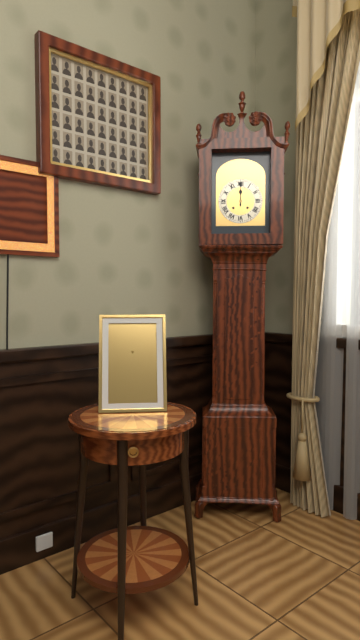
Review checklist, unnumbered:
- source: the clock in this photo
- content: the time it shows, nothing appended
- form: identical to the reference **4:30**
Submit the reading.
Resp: **12:00**
